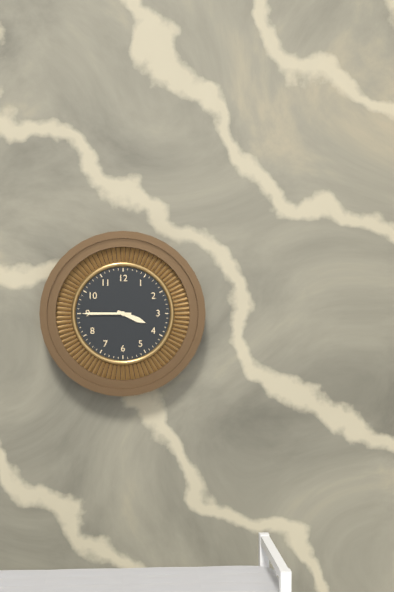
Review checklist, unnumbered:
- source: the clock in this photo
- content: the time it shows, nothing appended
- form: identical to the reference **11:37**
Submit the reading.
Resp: **3:45**
